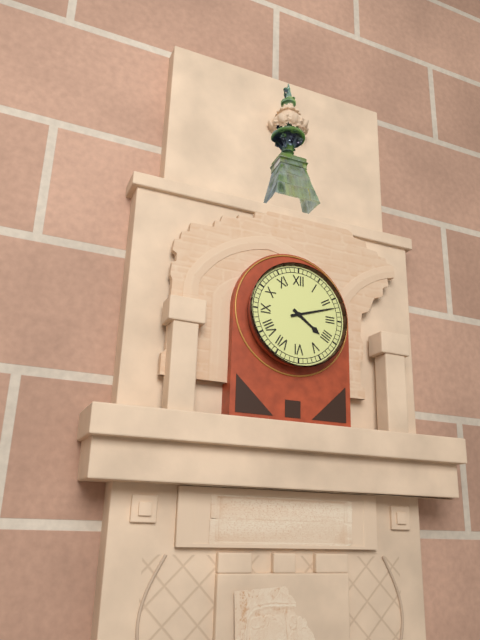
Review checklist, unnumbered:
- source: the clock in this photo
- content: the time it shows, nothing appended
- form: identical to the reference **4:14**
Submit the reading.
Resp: **4:12**
